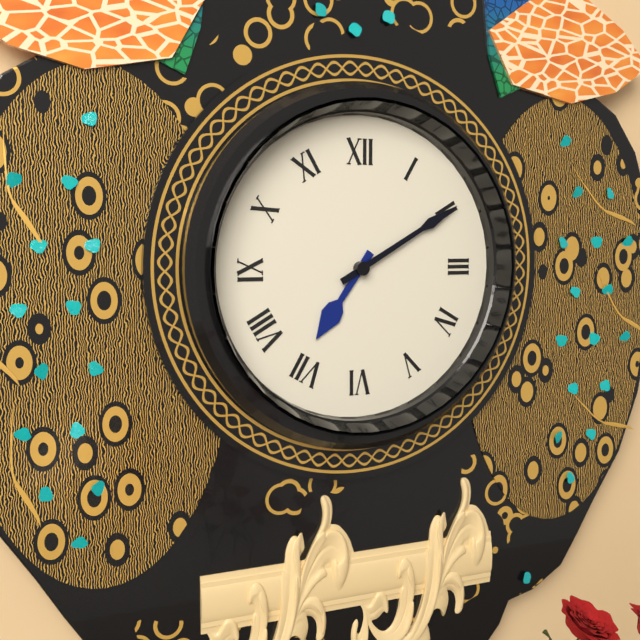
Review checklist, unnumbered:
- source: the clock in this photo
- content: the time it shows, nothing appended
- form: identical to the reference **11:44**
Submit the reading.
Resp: **7:10**
